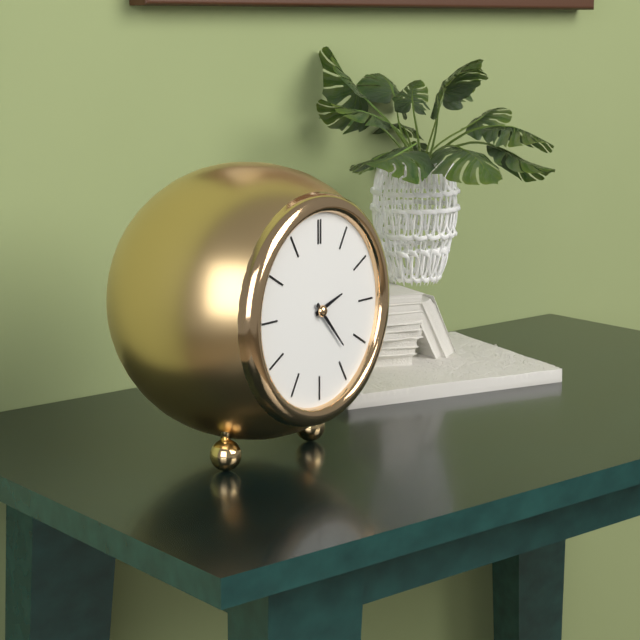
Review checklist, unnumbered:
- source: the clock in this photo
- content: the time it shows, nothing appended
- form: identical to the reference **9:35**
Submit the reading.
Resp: **2:23**
